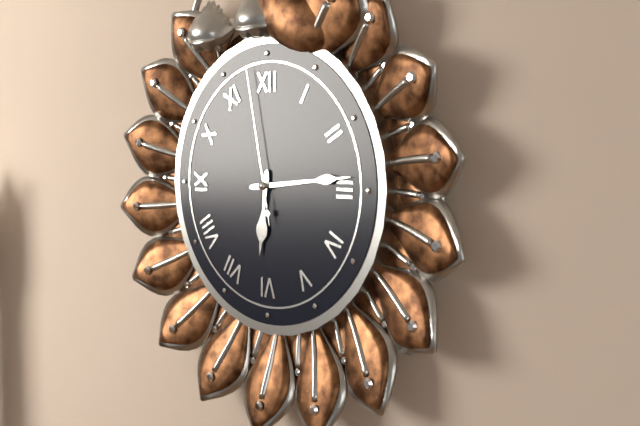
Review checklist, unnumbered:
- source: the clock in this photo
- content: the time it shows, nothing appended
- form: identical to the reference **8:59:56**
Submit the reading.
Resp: **6:14:58**
